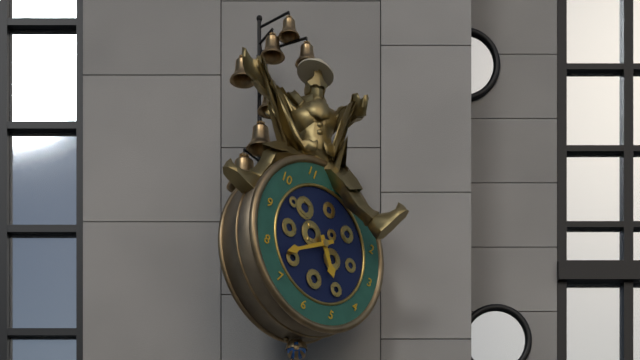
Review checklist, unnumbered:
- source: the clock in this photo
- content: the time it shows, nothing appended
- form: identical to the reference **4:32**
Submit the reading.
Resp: **4:38**
